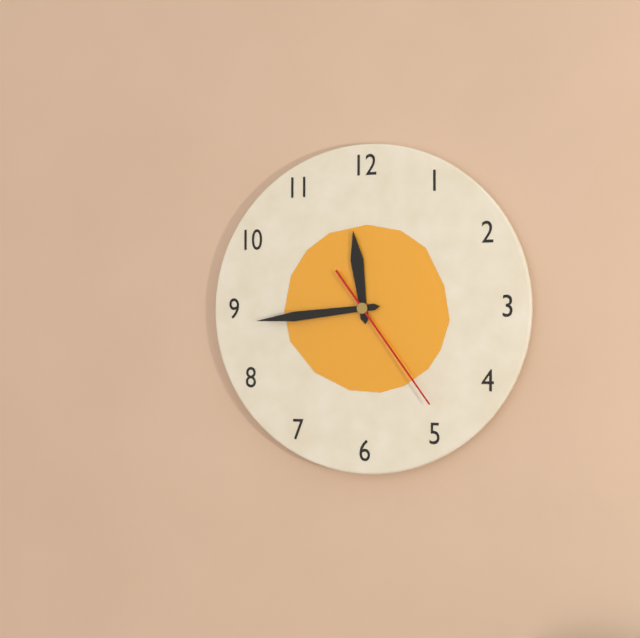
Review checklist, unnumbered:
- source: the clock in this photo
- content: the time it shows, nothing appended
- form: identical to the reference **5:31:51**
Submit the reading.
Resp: **11:44:24**
